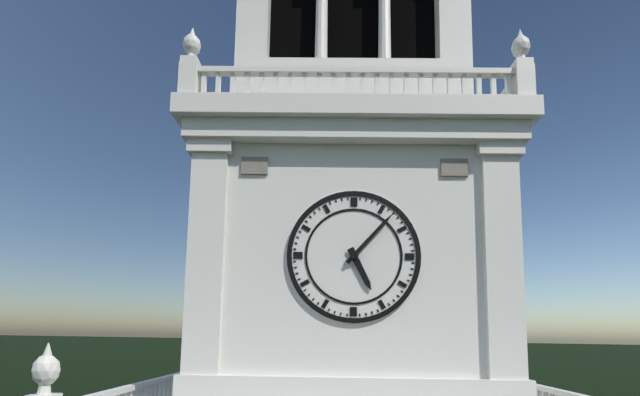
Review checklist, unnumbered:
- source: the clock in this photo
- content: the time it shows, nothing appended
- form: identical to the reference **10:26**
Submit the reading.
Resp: **5:07**
